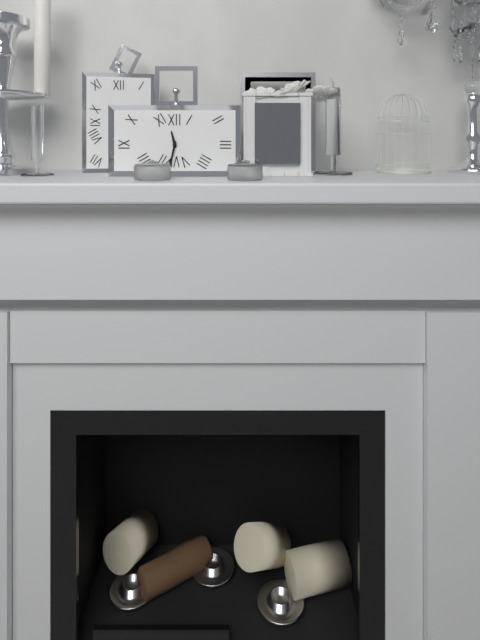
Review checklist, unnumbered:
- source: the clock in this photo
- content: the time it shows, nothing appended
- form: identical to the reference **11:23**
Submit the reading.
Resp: **11:32**
